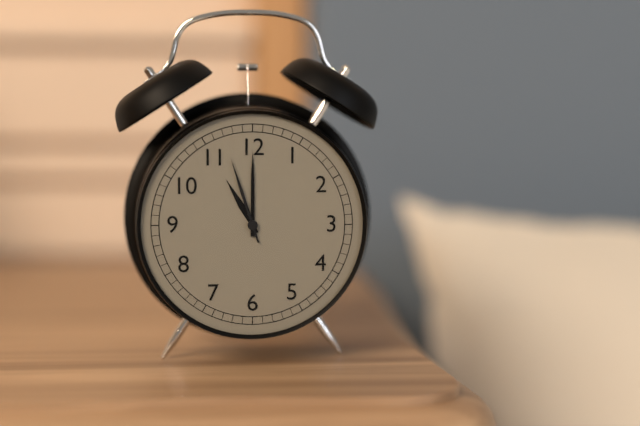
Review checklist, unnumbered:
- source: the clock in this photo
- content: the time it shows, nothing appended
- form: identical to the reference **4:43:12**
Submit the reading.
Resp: **11:00:57**
